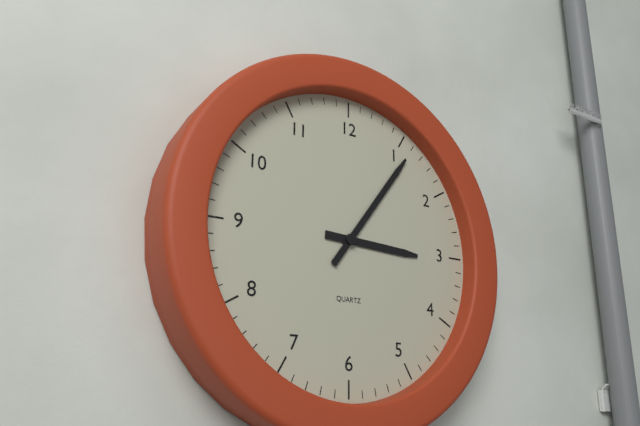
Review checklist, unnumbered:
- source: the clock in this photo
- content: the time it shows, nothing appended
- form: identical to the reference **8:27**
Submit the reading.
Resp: **3:06**
